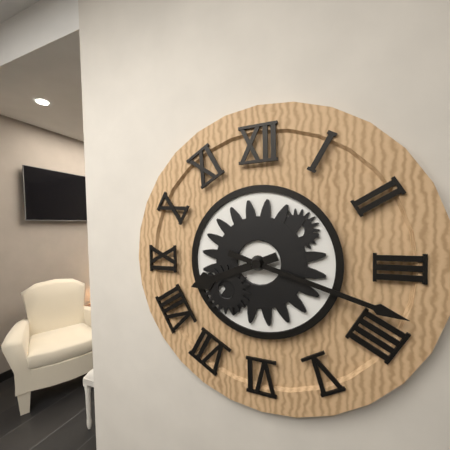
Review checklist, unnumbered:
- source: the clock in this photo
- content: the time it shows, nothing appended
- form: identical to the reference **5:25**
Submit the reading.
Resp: **8:18**
